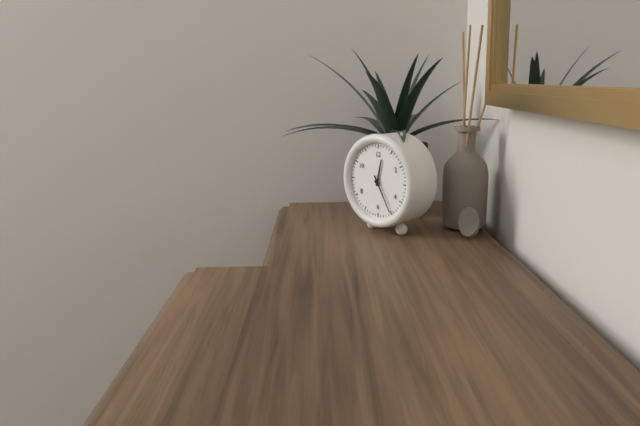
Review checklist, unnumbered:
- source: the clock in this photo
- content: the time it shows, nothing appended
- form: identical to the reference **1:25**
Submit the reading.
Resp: **12:25**
